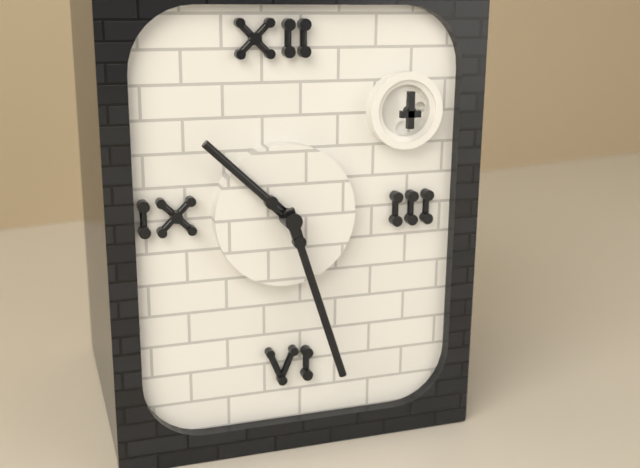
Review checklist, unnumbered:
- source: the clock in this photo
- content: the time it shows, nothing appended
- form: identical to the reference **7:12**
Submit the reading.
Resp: **10:27**
